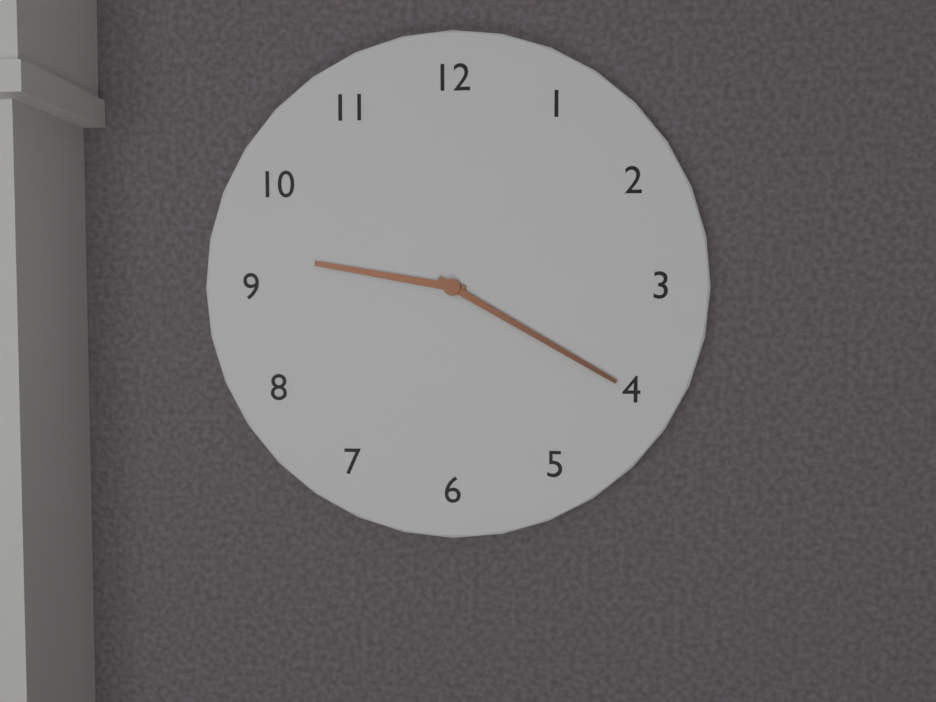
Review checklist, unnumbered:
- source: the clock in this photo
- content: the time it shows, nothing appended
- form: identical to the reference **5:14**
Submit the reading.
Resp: **9:20**
